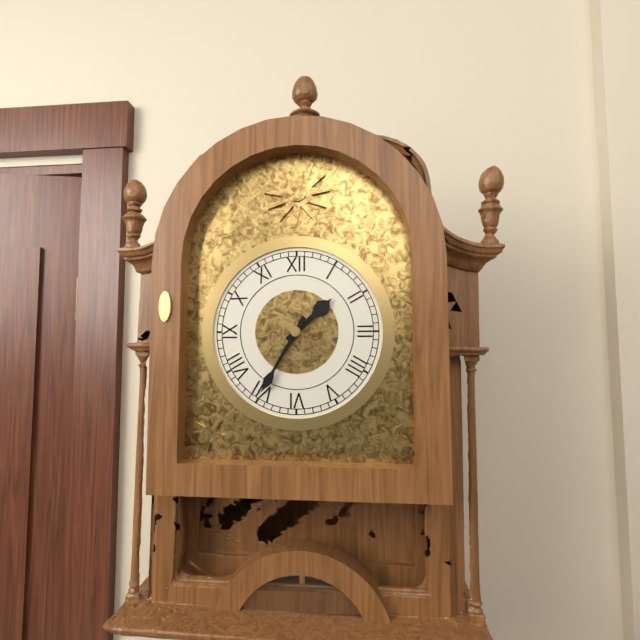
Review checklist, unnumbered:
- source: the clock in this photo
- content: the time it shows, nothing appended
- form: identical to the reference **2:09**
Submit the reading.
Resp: **1:35**
